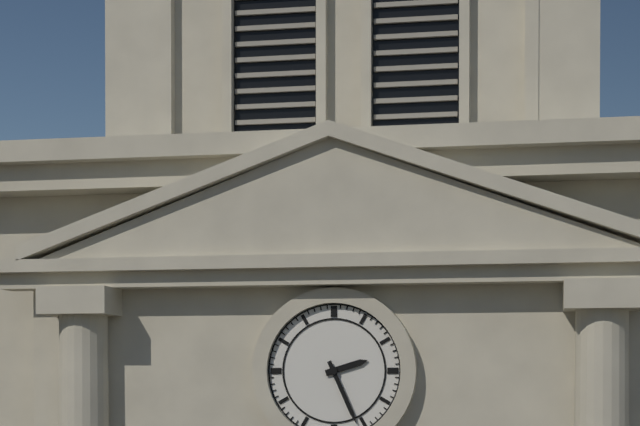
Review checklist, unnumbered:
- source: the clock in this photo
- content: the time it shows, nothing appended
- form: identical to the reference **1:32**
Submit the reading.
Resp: **2:26**
